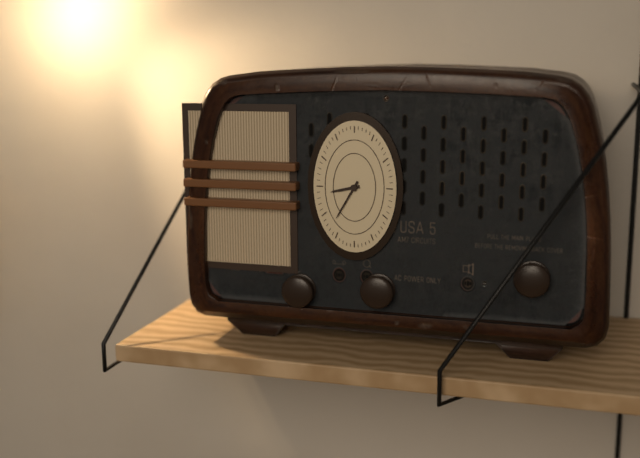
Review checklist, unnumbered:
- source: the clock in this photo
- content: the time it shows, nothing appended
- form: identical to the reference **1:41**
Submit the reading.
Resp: **8:35**
